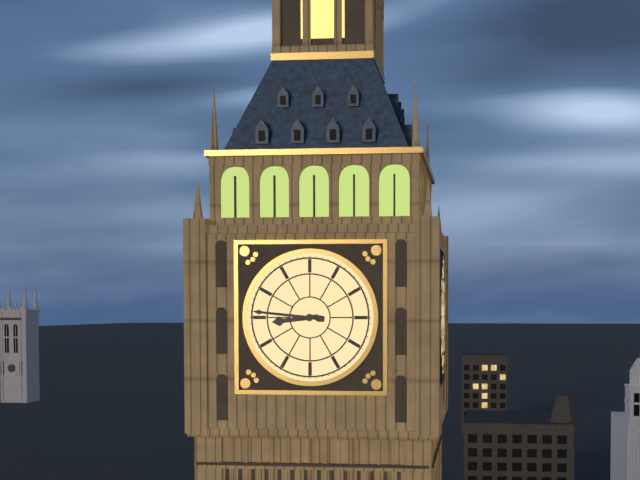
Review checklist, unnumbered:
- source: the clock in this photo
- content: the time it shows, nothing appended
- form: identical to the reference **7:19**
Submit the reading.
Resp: **8:46**
